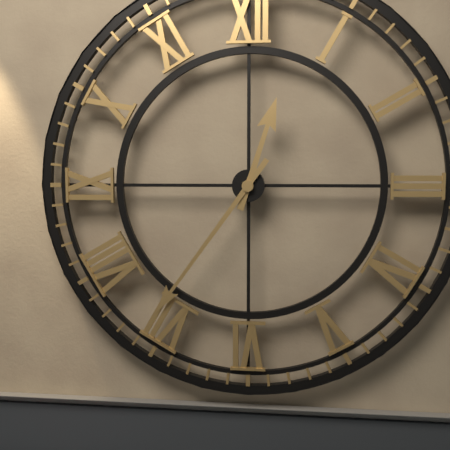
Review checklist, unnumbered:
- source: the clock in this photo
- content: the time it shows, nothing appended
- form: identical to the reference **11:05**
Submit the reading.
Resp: **12:36**
